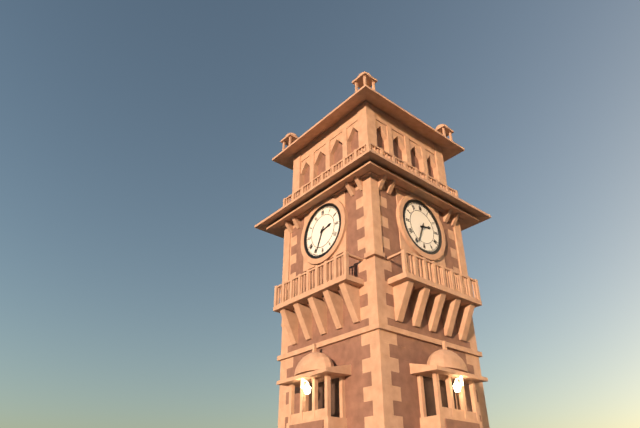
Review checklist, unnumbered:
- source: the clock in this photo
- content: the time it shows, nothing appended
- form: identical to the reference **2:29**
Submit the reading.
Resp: **2:34**
